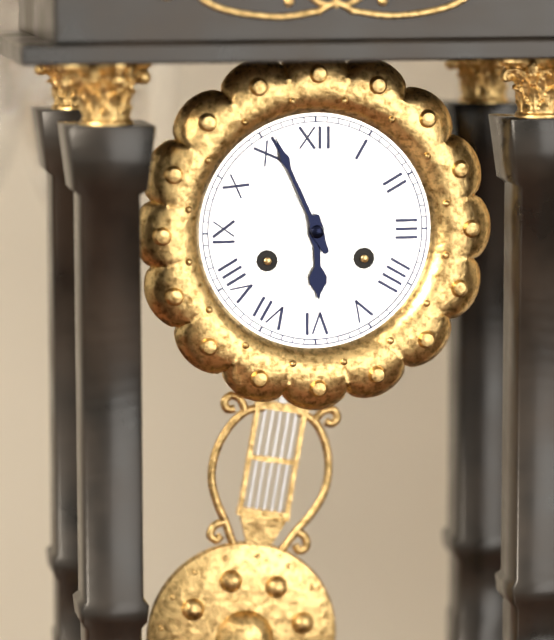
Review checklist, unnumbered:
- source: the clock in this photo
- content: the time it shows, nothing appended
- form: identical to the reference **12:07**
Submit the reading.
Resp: **5:56**
